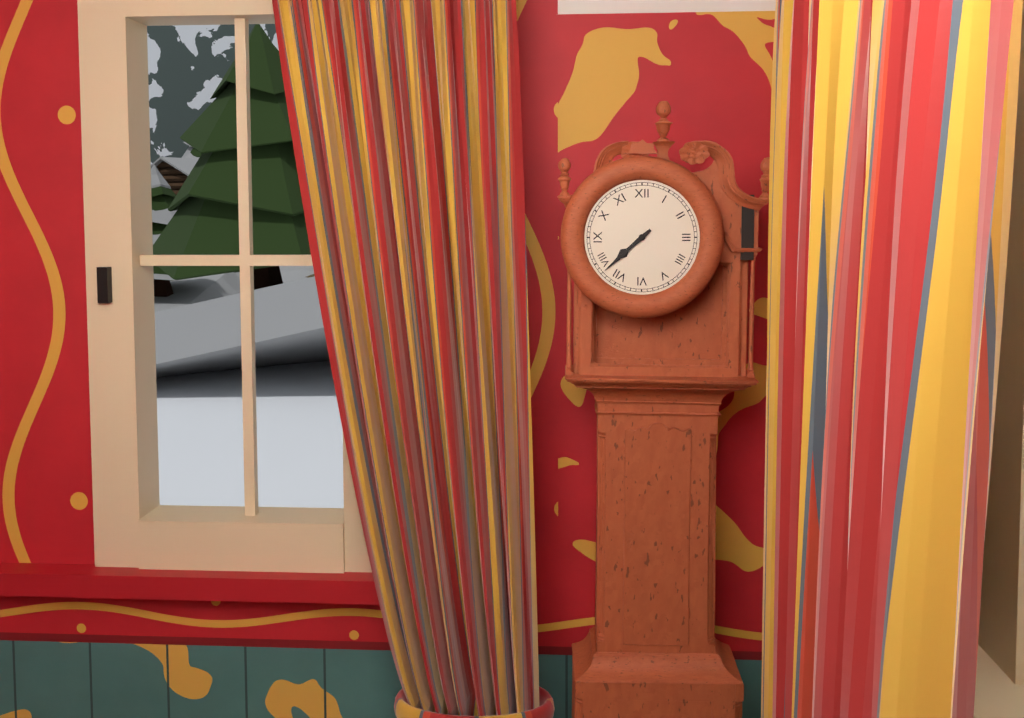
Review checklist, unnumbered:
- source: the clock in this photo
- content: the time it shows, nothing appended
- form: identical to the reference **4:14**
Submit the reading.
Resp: **7:38**
